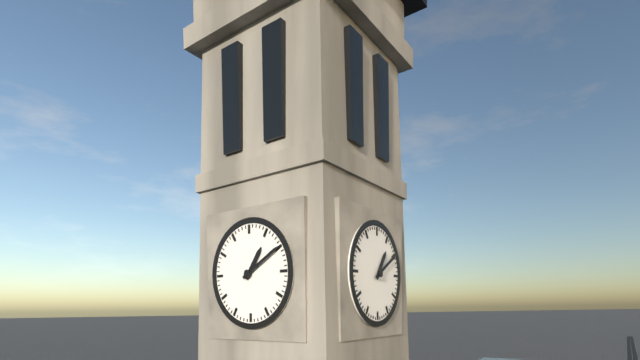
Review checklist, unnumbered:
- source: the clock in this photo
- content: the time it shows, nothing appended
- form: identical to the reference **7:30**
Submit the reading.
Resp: **1:10**
